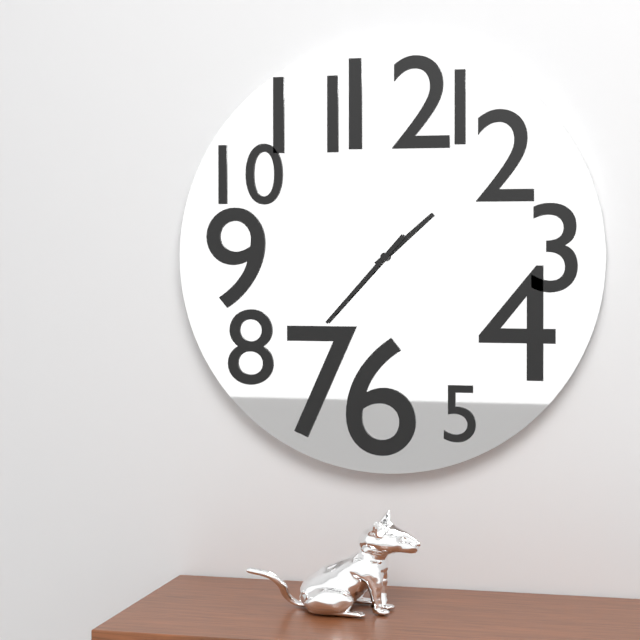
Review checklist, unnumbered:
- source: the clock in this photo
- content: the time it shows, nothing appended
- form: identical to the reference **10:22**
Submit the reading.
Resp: **1:37**
